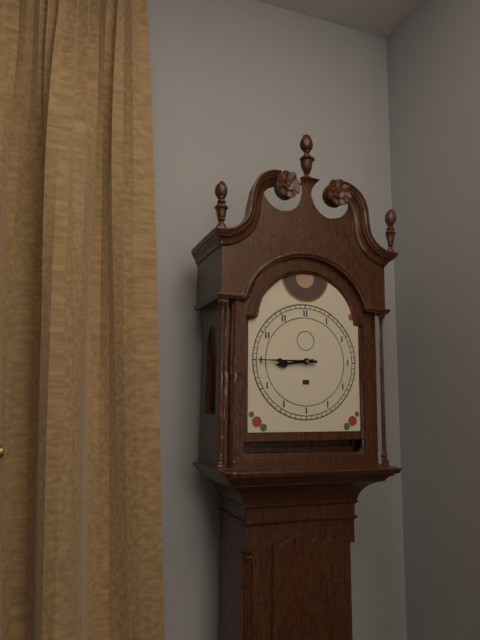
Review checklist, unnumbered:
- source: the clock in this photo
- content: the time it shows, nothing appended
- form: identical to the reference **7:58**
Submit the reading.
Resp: **8:45**
